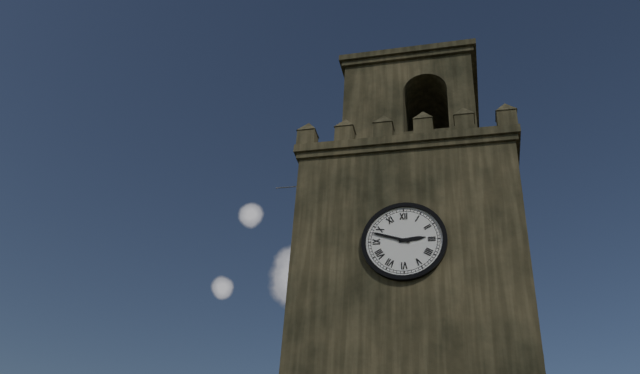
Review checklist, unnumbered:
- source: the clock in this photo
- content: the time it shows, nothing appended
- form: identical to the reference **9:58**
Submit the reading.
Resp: **2:48**
